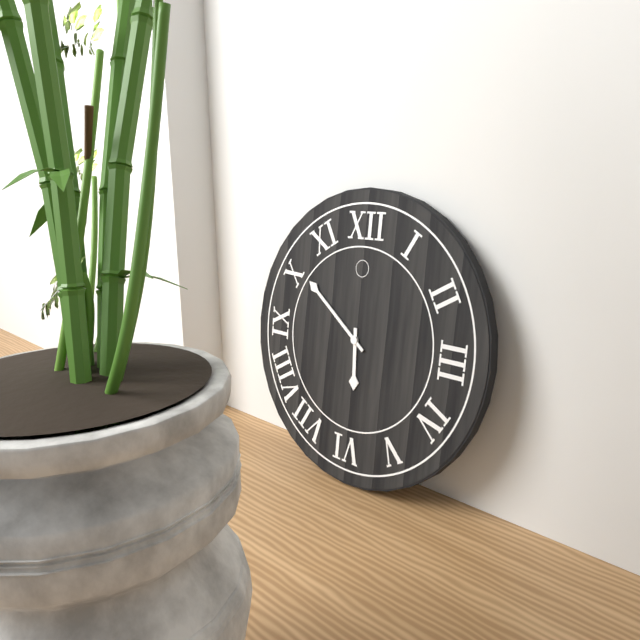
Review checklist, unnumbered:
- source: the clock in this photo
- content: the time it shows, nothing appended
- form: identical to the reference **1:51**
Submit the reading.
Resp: **5:51**
